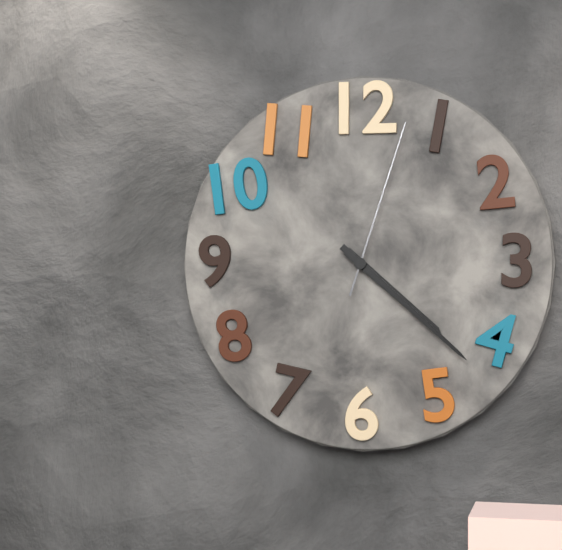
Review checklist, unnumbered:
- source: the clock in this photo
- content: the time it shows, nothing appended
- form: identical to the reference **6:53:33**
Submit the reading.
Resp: **4:22:03**
